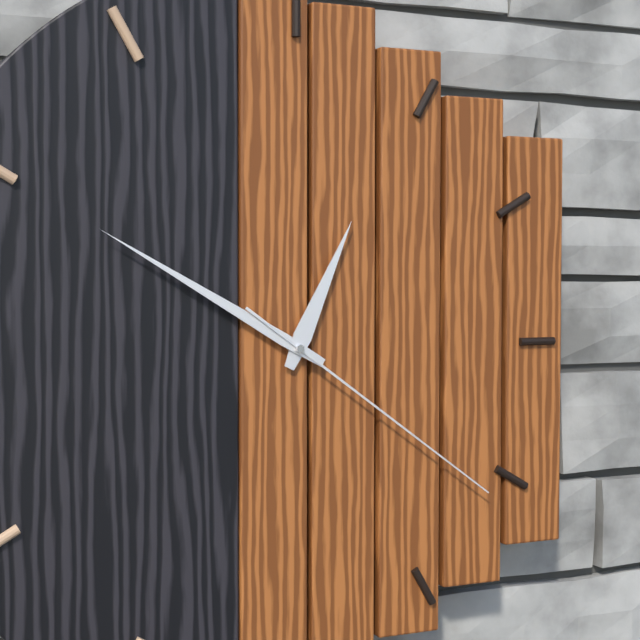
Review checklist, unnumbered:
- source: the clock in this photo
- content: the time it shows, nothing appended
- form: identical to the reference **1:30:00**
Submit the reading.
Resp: **12:50:21**
